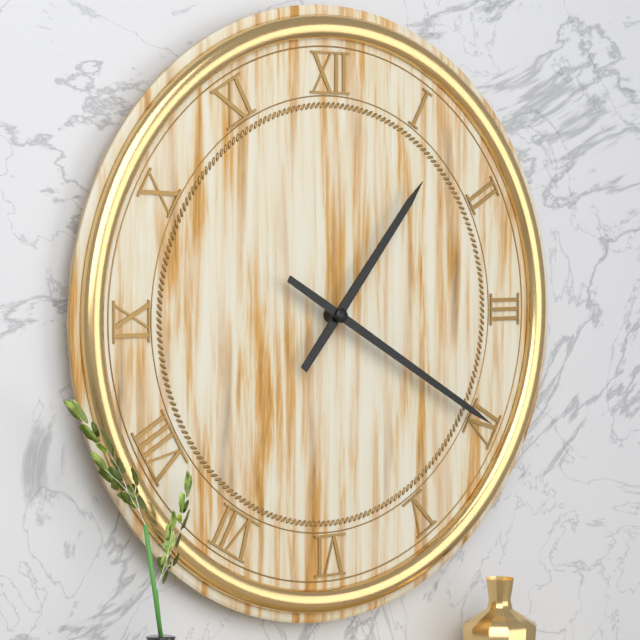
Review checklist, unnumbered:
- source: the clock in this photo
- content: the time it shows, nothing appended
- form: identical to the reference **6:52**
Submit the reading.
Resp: **1:20**
